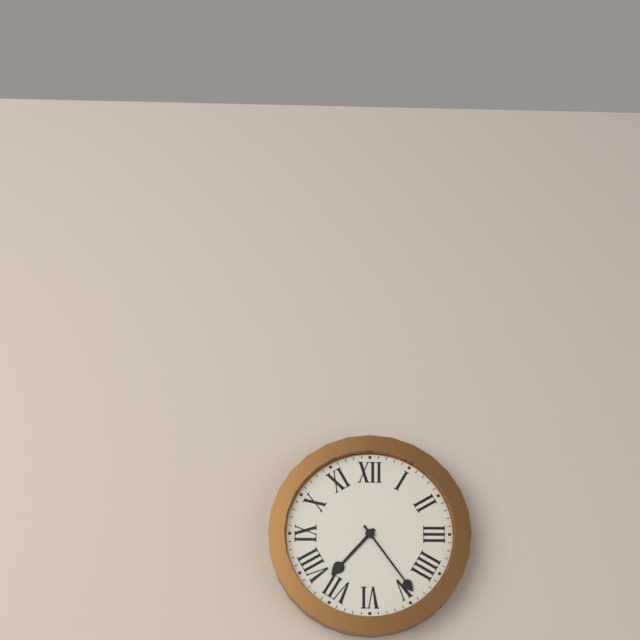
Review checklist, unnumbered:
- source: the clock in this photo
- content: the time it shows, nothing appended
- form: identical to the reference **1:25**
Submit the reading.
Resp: **7:24**
